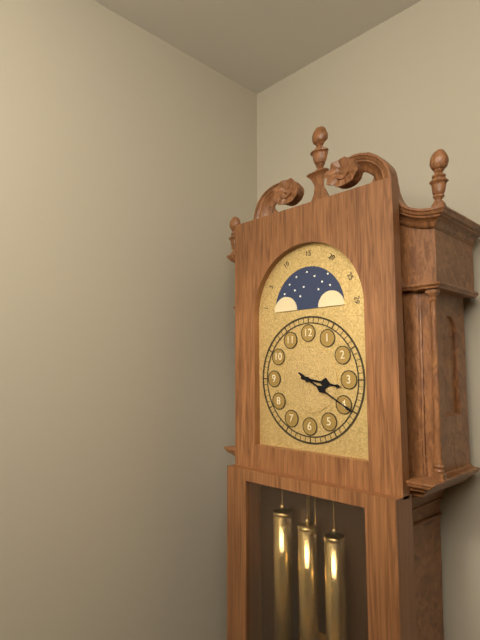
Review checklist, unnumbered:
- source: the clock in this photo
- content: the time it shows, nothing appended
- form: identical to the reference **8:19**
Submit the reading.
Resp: **3:20**
